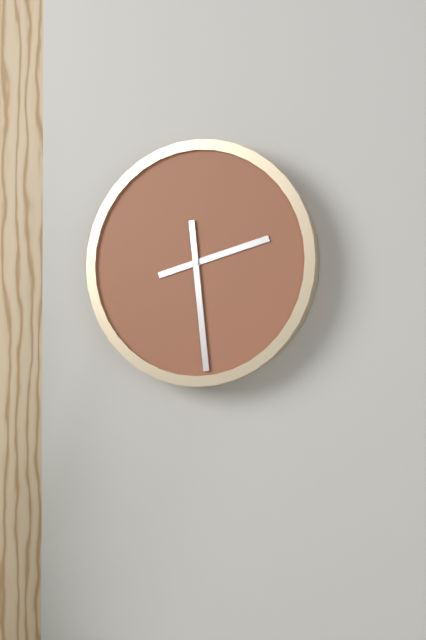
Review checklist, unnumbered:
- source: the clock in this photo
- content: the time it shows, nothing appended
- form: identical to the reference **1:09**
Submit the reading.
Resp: **2:29**
